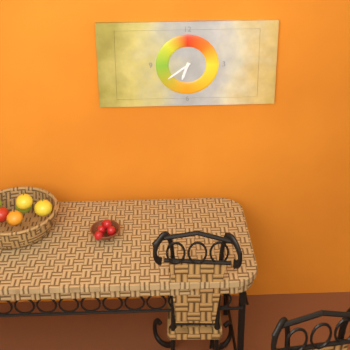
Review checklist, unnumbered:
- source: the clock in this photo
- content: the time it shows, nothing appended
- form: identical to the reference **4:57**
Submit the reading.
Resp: **6:39**
